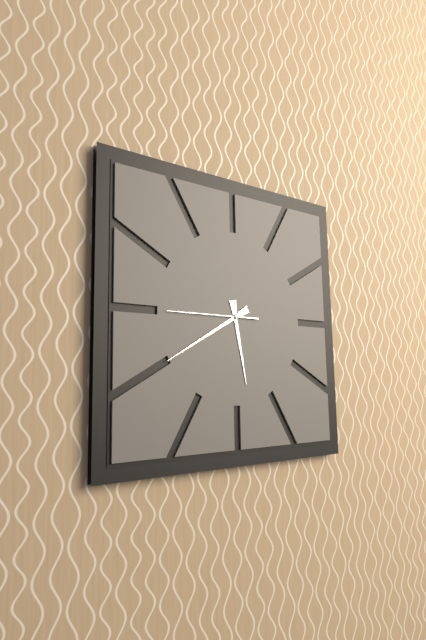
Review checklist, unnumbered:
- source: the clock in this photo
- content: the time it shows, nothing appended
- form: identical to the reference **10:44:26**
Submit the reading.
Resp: **5:40:45**
